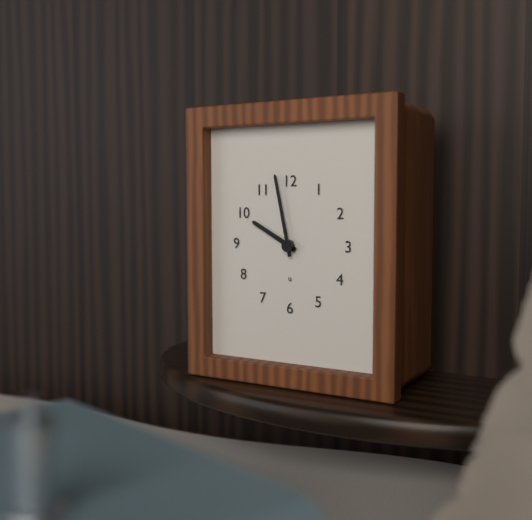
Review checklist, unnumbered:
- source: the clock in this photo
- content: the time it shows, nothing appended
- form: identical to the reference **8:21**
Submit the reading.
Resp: **9:58**
